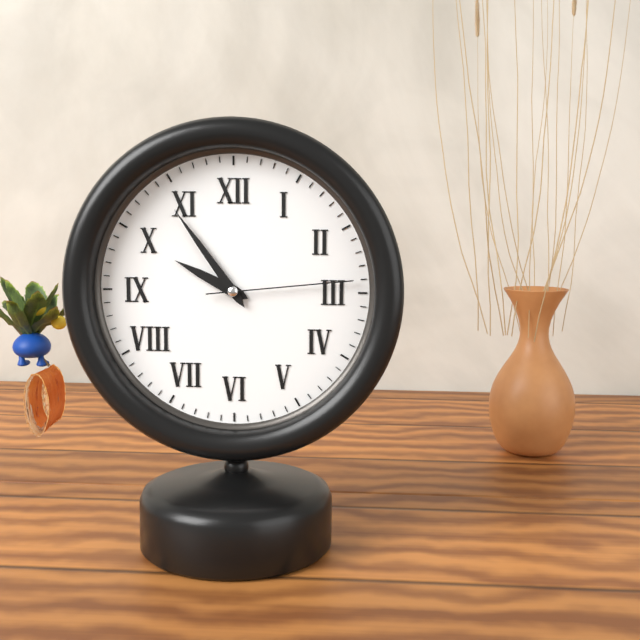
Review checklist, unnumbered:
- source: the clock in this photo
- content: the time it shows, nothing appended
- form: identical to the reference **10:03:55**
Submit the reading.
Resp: **9:54:14**
